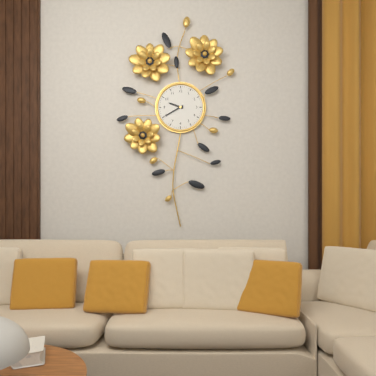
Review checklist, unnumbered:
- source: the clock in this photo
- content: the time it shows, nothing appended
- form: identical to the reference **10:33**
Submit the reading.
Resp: **9:40**
